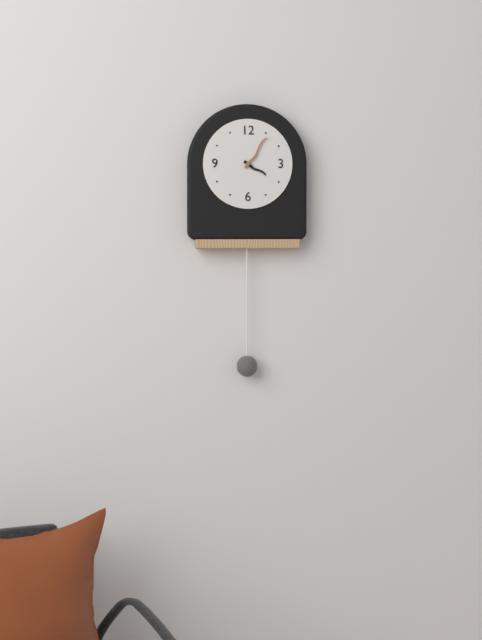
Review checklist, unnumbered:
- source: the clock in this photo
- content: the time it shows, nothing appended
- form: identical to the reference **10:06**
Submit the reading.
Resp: **4:06**
